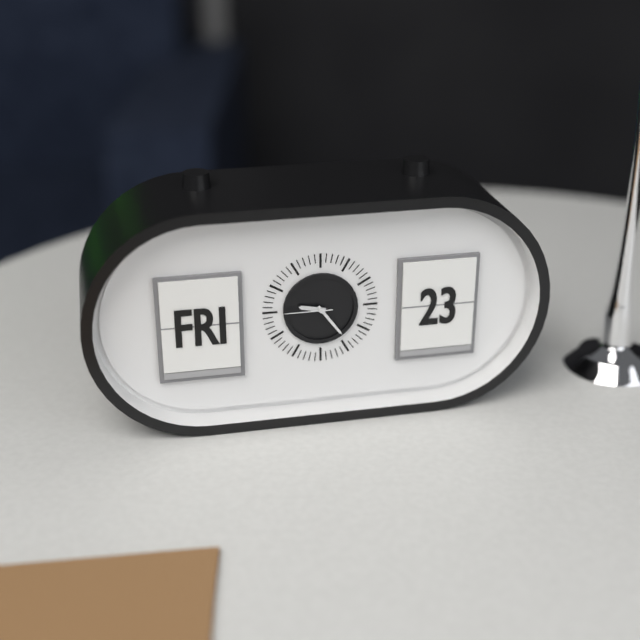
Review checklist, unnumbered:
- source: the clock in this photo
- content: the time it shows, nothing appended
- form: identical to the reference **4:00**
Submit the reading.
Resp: **9:24**
